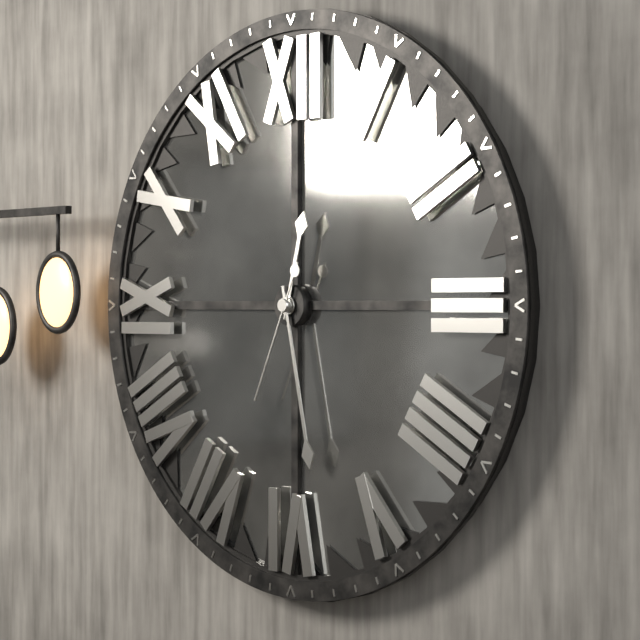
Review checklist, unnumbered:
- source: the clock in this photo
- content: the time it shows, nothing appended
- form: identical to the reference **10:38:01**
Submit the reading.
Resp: **12:28:34**
